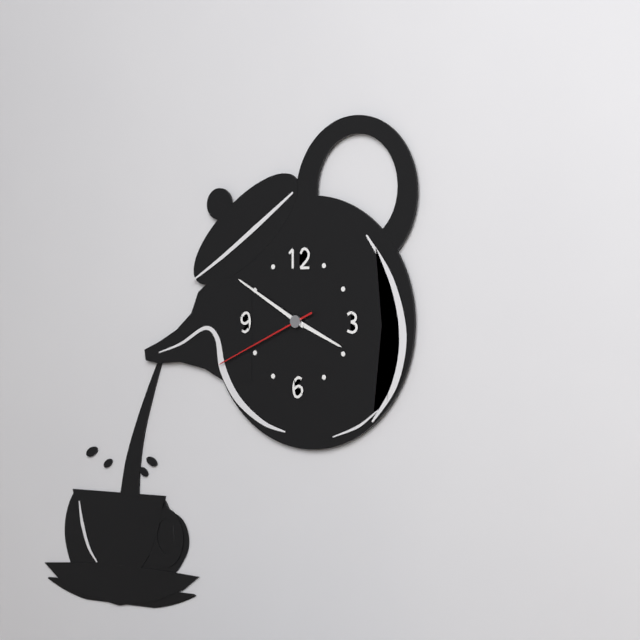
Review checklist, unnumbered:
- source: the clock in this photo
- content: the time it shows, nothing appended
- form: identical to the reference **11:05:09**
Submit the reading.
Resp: **3:50:41**
